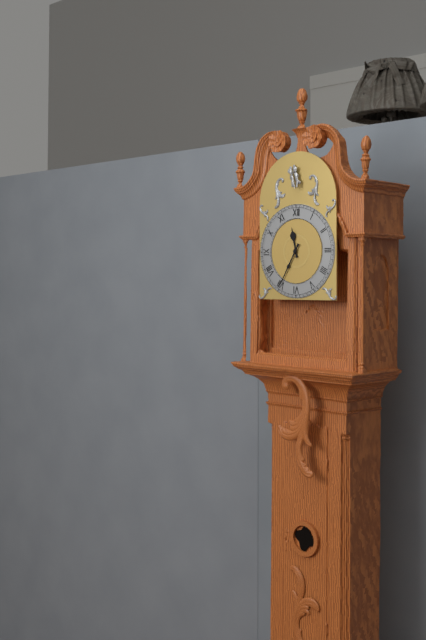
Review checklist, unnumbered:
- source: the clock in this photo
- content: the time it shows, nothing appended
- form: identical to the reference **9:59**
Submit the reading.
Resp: **11:35**
